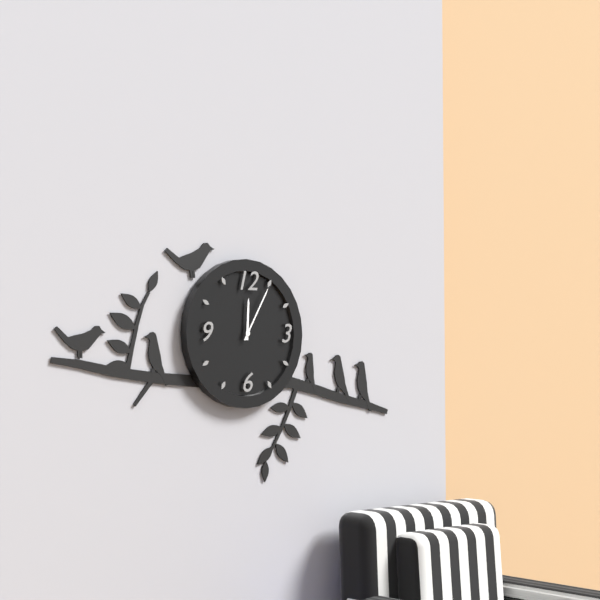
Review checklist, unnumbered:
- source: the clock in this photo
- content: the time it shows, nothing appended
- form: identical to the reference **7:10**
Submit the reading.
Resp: **12:05**
